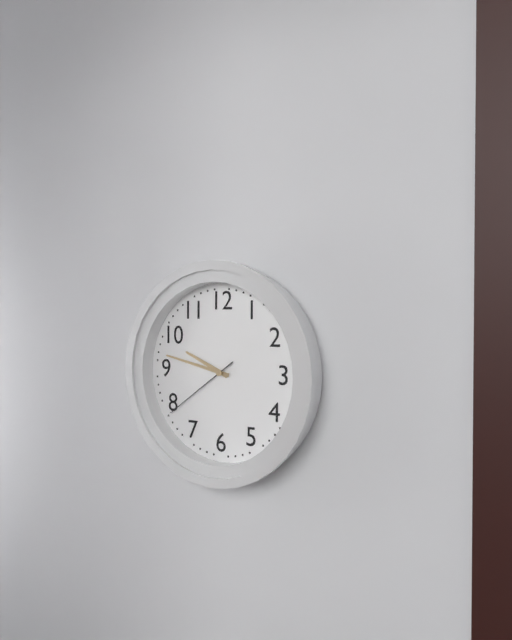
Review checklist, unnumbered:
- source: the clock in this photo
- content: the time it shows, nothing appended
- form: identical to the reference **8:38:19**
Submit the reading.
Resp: **9:47:39**
